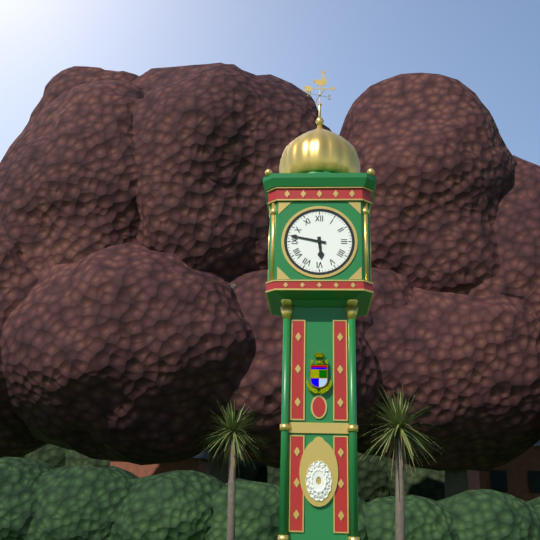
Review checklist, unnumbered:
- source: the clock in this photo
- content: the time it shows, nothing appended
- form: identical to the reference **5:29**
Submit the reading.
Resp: **5:47**
